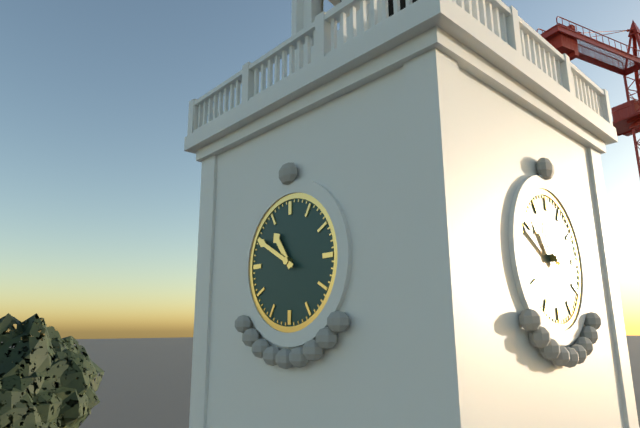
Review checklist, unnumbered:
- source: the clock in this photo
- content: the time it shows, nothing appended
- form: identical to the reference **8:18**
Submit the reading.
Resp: **10:50**
